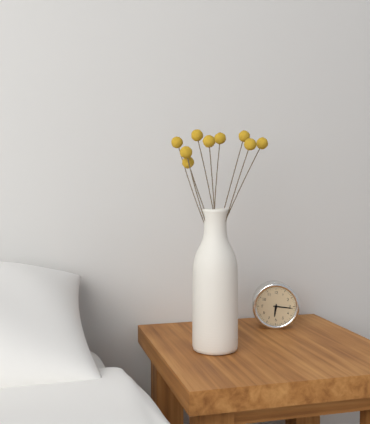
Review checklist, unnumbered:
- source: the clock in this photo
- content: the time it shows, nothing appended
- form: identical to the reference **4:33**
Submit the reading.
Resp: **6:16**
